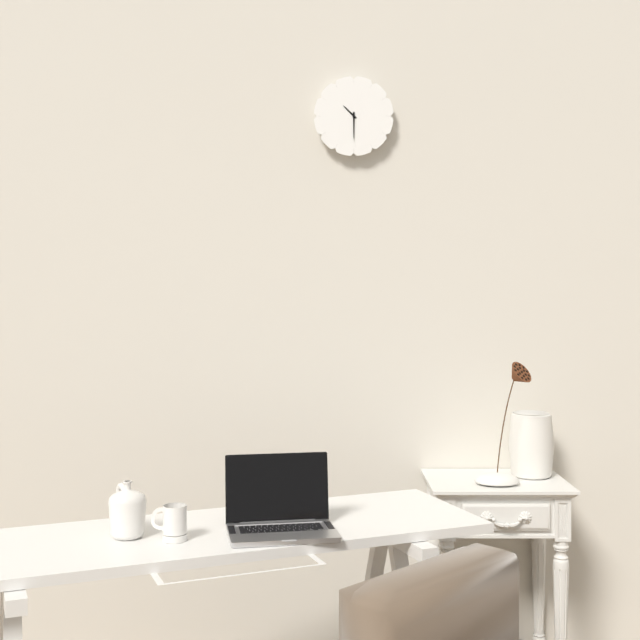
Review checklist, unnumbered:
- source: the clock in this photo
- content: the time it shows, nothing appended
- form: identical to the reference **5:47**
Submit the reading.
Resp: **10:30**
